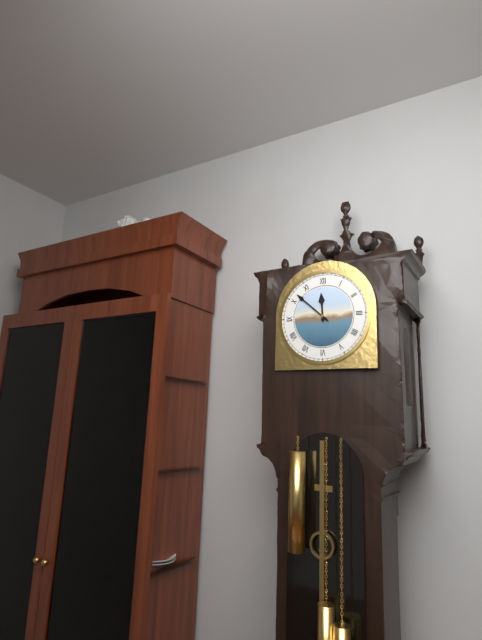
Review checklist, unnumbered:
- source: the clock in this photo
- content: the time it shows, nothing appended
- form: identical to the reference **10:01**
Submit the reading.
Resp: **11:52**
